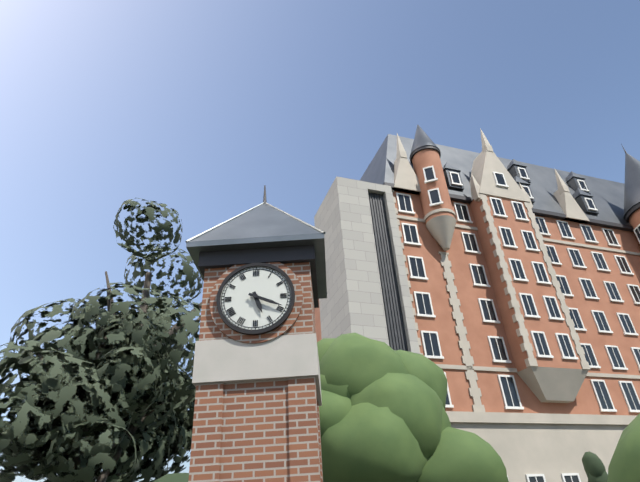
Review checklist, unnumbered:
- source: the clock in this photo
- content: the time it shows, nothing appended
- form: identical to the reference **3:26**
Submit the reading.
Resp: **5:19**
